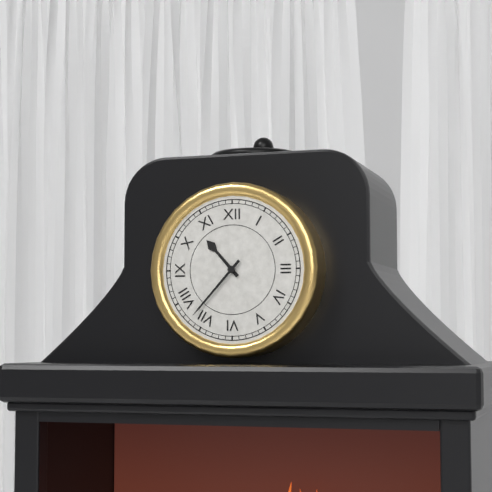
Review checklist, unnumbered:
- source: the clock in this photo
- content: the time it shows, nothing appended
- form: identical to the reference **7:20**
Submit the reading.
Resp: **10:37**
